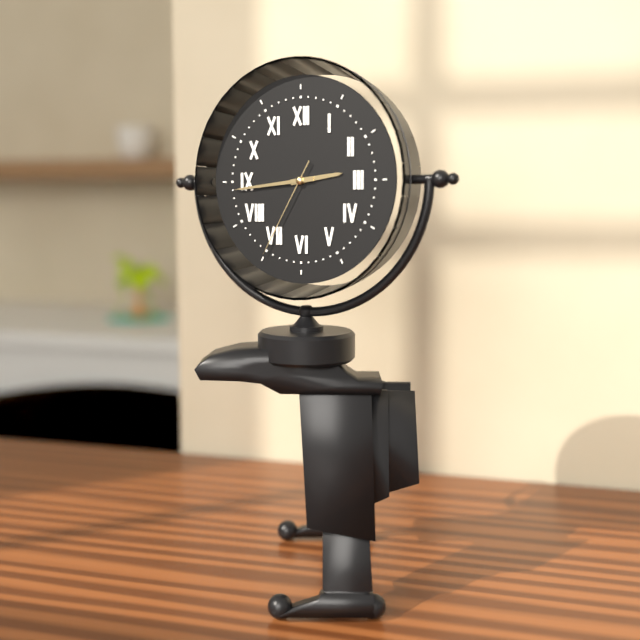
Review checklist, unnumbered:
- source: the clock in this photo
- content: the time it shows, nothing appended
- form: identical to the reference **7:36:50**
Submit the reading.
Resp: **2:44:35**
